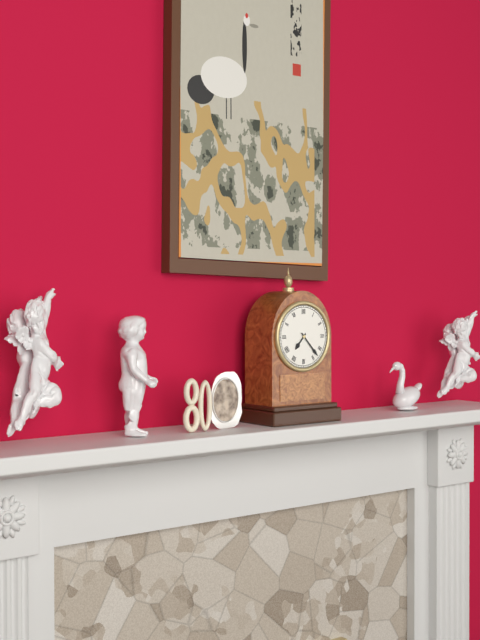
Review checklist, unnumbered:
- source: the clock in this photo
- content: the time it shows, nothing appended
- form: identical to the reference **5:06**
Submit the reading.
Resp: **7:23**
